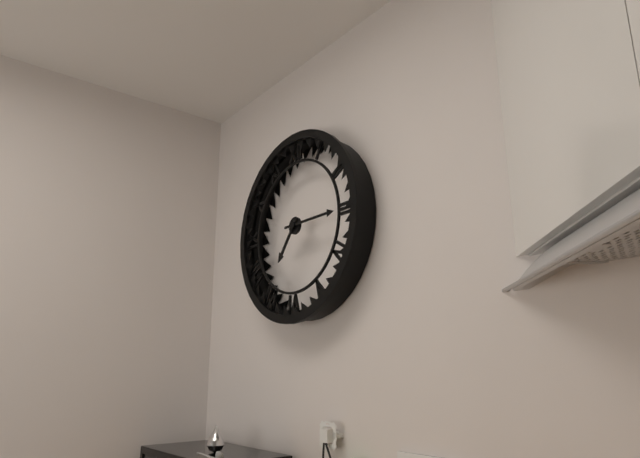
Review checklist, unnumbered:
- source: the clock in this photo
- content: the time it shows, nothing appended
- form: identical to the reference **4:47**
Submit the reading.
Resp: **7:15**
